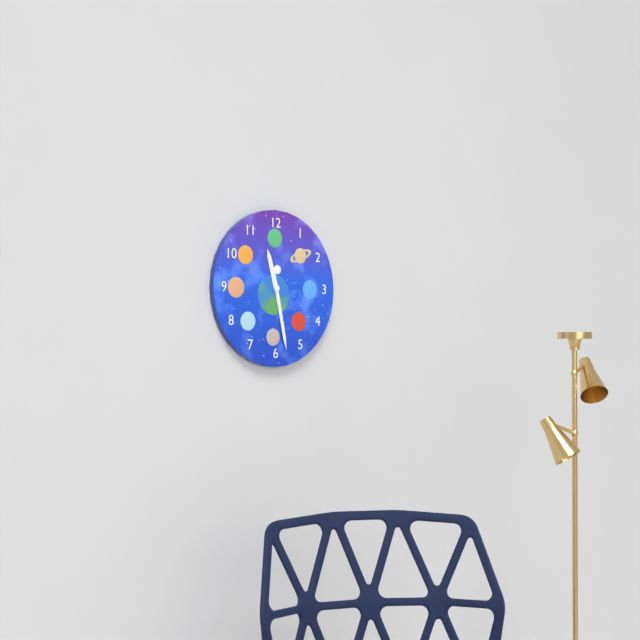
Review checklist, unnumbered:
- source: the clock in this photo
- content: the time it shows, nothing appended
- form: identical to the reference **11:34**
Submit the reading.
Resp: **11:28**
